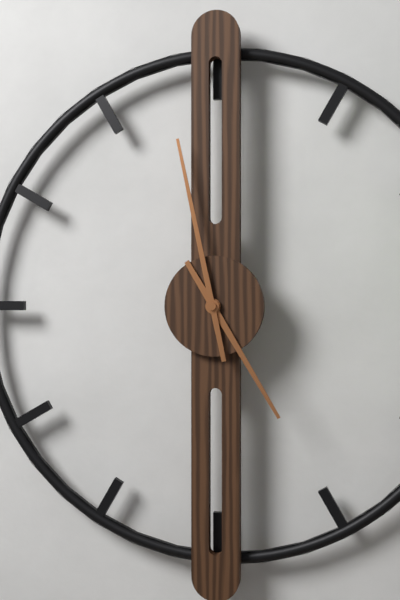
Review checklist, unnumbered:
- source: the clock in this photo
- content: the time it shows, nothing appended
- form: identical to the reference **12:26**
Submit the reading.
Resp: **4:58**
